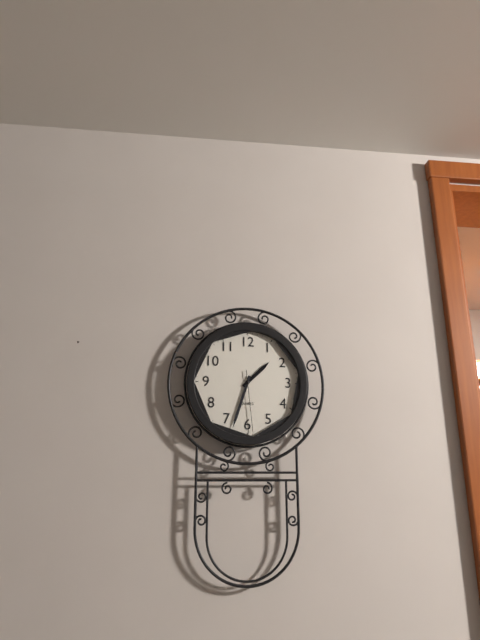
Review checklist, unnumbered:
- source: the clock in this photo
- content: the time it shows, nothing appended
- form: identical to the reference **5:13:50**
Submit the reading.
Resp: **1:33:29**
